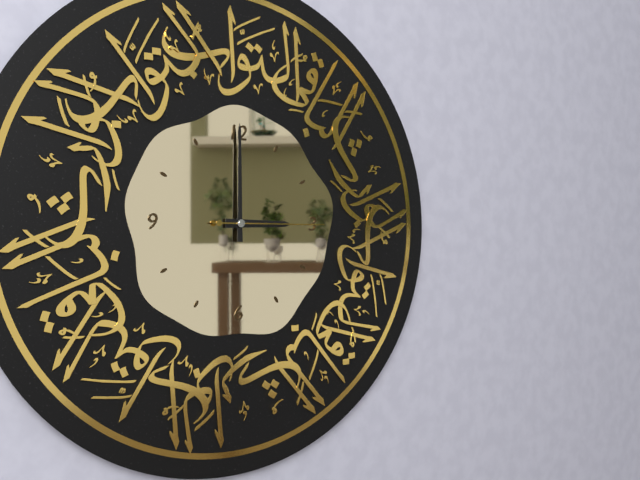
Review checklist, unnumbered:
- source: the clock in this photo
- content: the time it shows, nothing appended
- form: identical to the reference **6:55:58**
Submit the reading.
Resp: **3:00:15**
